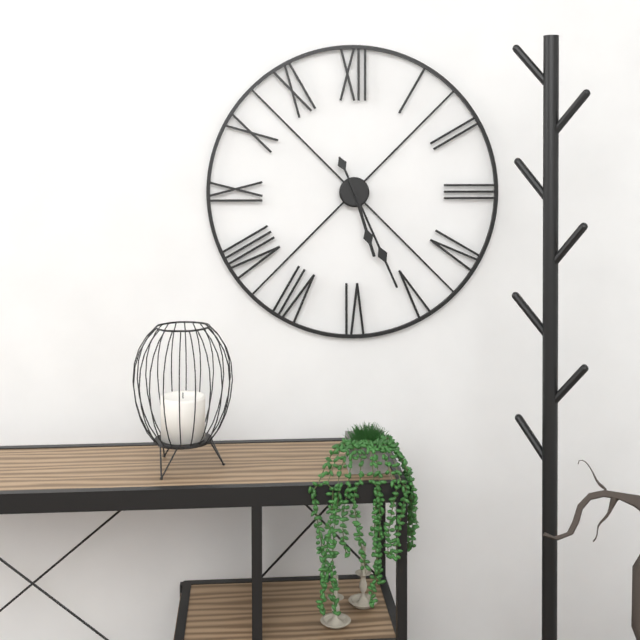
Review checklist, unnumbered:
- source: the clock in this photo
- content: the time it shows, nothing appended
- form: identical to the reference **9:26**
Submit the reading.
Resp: **5:26**
